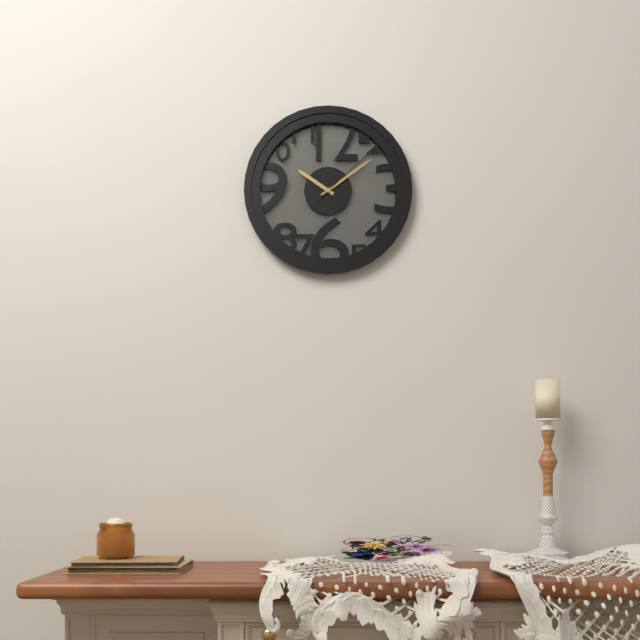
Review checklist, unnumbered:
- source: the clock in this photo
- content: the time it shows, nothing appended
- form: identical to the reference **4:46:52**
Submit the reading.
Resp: **10:09:08**
